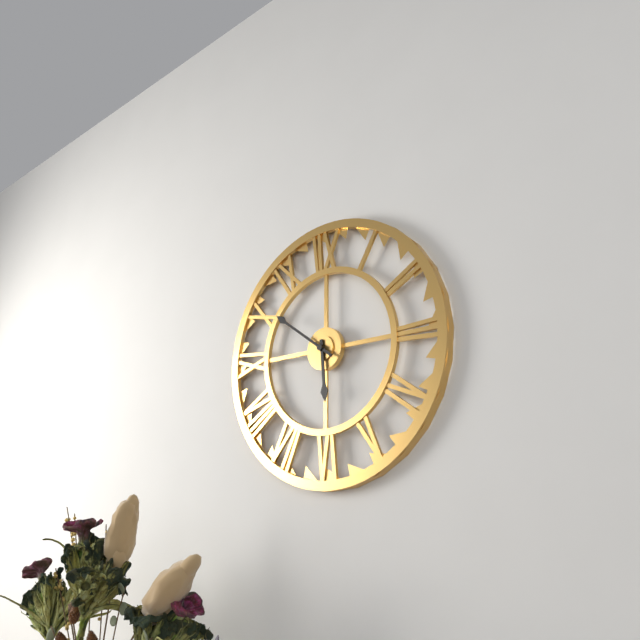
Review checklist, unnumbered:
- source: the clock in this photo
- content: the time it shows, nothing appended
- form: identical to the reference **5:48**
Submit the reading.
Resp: **5:51**
